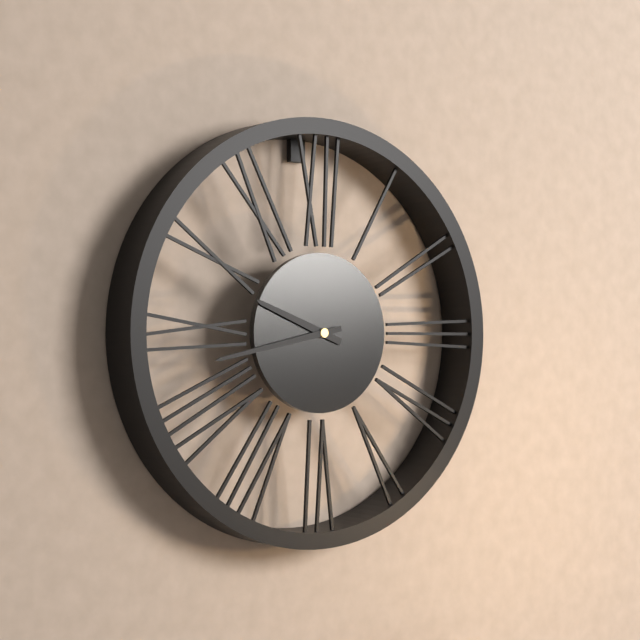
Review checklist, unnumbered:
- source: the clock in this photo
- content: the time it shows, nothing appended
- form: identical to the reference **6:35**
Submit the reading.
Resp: **9:43**
